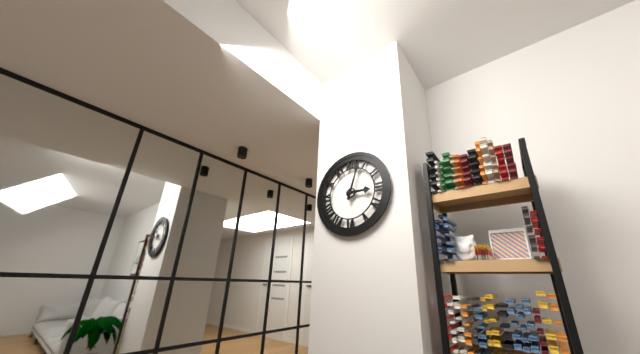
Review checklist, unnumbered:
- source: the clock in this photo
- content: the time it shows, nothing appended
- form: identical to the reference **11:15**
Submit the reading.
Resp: **3:03**
